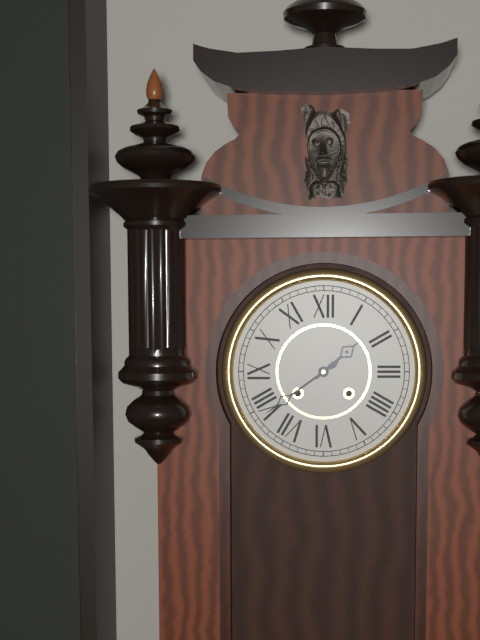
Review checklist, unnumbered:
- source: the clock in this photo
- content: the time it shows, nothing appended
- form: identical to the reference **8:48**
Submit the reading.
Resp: **1:39**
